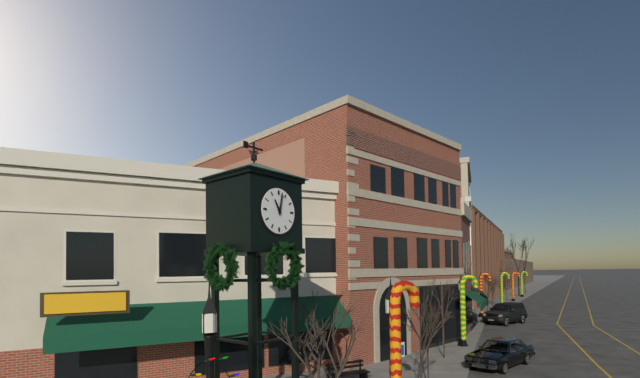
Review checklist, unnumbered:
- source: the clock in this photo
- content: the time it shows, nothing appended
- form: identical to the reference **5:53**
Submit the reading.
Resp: **11:02**
